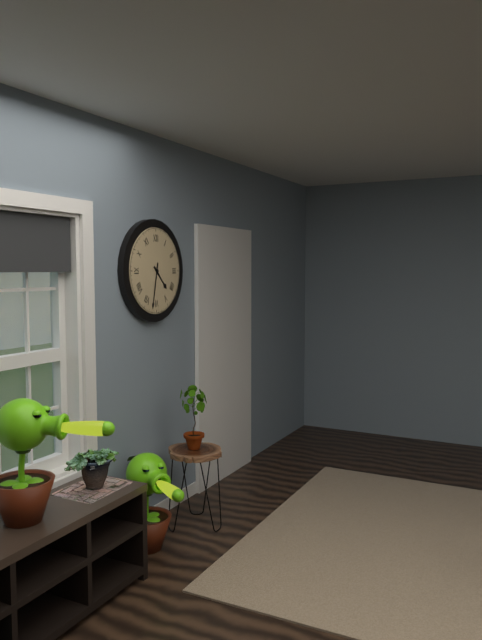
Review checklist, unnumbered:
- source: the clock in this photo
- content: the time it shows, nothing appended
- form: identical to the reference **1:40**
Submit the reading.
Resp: **4:32**
